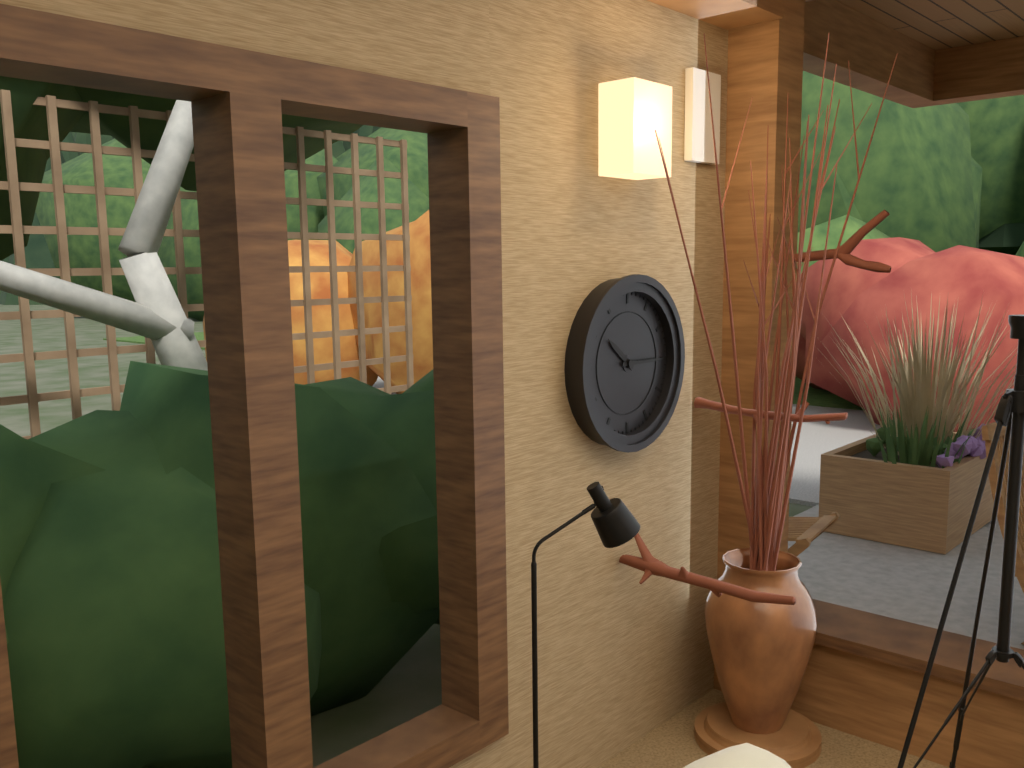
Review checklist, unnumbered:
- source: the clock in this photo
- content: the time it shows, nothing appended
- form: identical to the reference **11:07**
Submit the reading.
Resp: **10:15**
